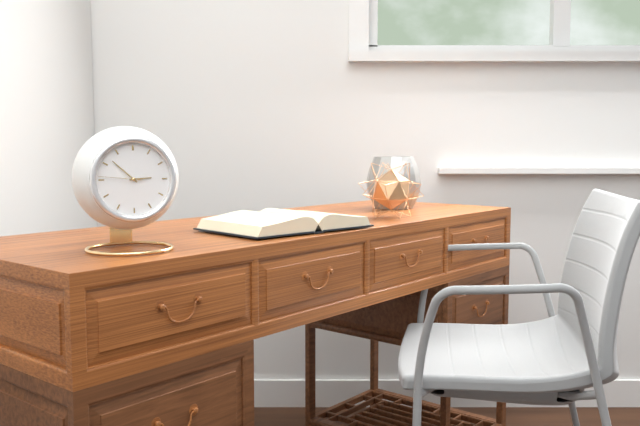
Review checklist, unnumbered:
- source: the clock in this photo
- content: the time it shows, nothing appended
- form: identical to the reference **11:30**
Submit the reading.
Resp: **2:52**
